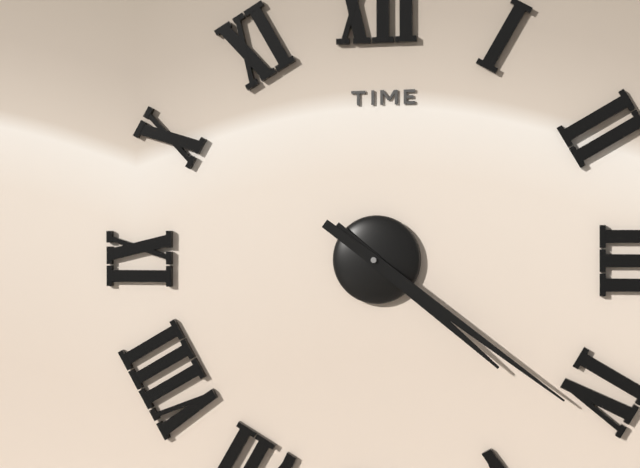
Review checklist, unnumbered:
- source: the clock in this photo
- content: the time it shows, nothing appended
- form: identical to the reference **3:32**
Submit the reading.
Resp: **4:21**
